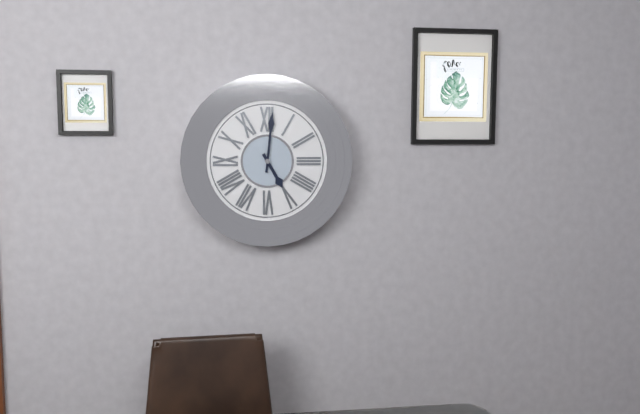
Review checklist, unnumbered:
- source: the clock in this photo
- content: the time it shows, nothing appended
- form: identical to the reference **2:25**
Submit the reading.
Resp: **5:01**
